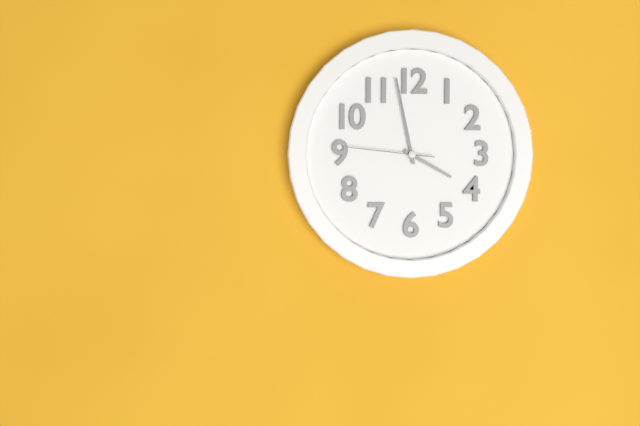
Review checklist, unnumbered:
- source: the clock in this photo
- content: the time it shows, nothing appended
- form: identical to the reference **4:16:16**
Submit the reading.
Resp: **3:58:46**
